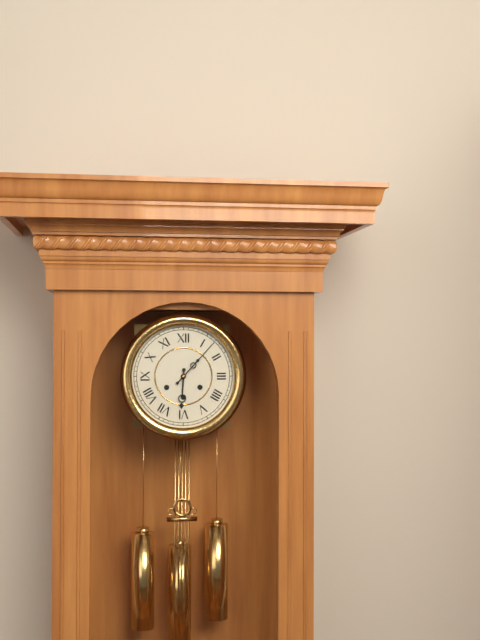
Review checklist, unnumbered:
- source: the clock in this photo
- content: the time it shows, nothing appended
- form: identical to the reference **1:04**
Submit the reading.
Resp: **6:07**
